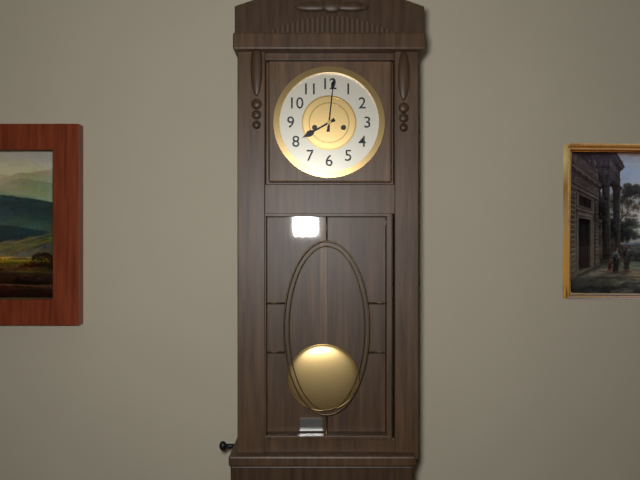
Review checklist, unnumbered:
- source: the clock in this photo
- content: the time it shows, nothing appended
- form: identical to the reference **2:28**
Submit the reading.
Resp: **8:01**
